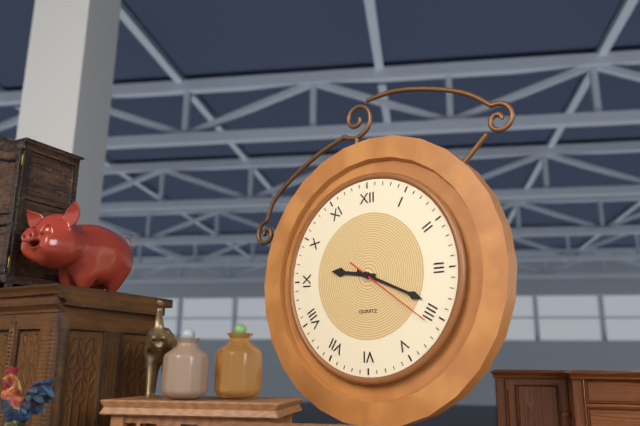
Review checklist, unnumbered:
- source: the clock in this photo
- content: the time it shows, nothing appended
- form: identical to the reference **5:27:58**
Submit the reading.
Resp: **9:19:21**
